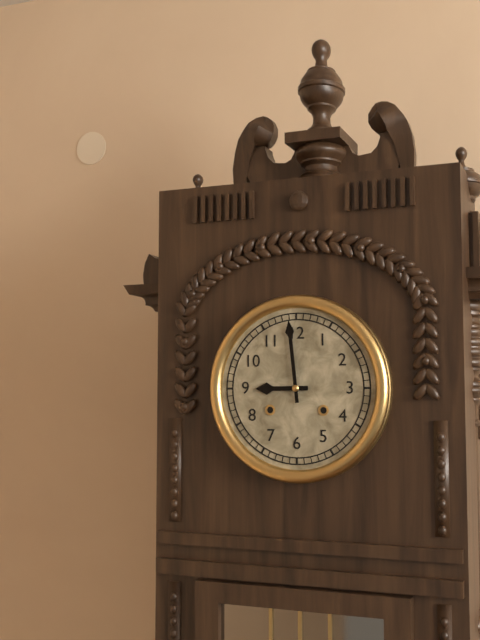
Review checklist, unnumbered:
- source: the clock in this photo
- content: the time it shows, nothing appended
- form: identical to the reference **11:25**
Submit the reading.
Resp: **8:59**
